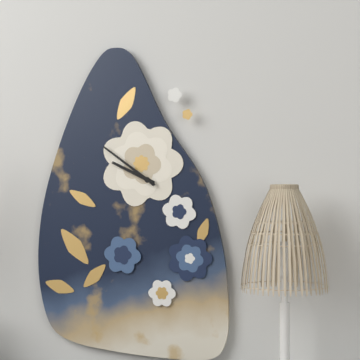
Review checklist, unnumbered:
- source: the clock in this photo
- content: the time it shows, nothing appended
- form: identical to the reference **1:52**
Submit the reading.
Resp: **9:51**
